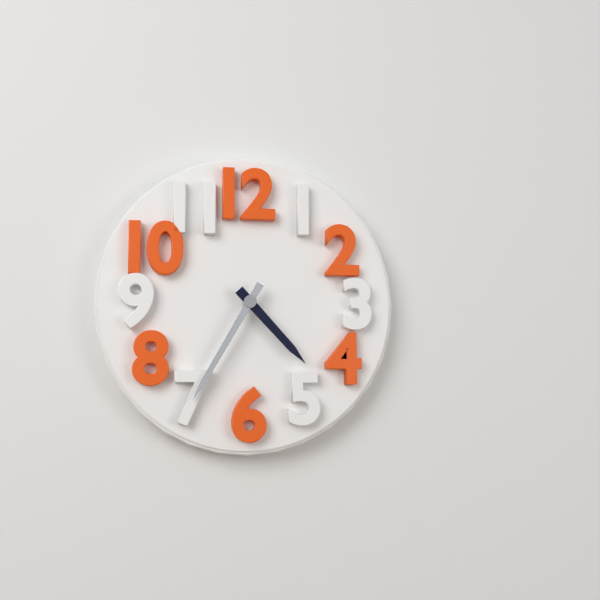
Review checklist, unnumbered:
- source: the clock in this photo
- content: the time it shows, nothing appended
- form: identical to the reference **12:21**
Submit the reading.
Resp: **4:35**
